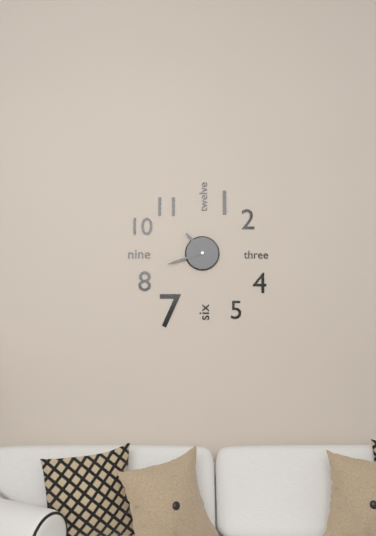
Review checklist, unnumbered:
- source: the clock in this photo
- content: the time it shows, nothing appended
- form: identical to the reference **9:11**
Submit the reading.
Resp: **10:42**
